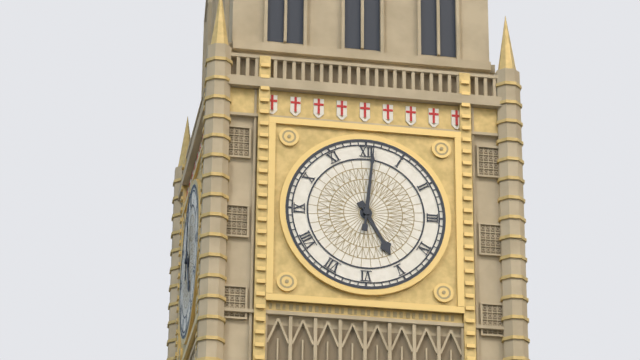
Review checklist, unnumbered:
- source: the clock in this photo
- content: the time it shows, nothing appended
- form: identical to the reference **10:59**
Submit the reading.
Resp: **5:01**
